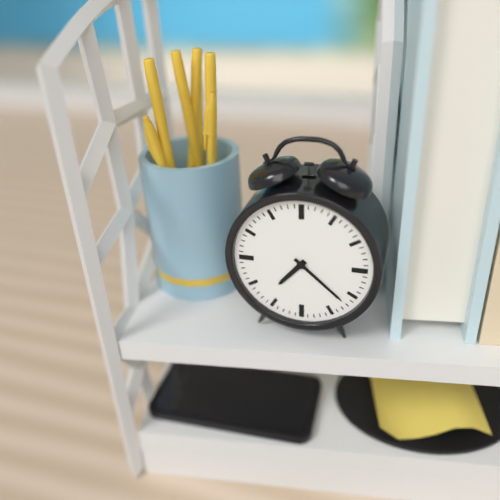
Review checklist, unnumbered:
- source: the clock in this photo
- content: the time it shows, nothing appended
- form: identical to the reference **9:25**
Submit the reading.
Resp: **7:22**
